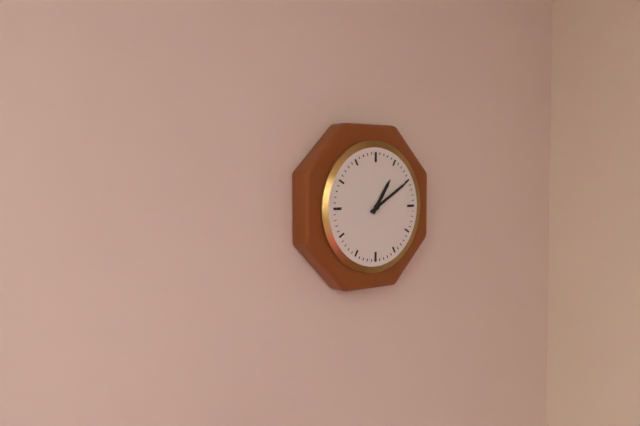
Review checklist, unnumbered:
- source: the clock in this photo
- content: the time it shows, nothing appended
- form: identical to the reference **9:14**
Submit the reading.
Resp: **1:10**
